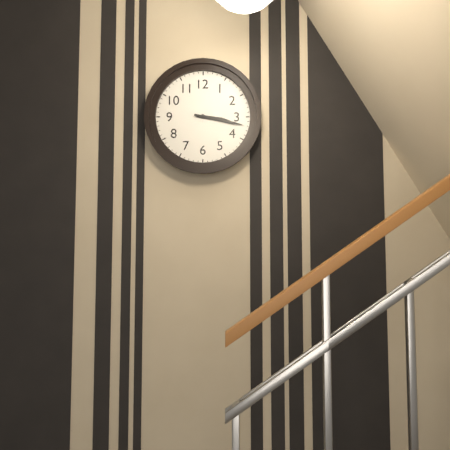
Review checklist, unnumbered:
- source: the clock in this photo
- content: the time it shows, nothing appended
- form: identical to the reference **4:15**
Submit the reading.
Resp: **3:17**
